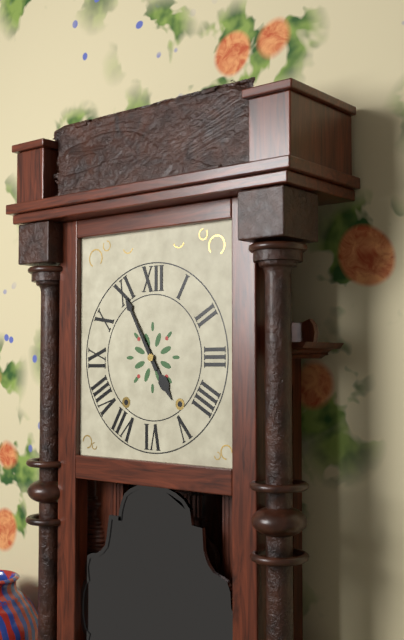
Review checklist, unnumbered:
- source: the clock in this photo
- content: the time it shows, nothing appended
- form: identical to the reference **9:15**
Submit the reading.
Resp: **4:55**
